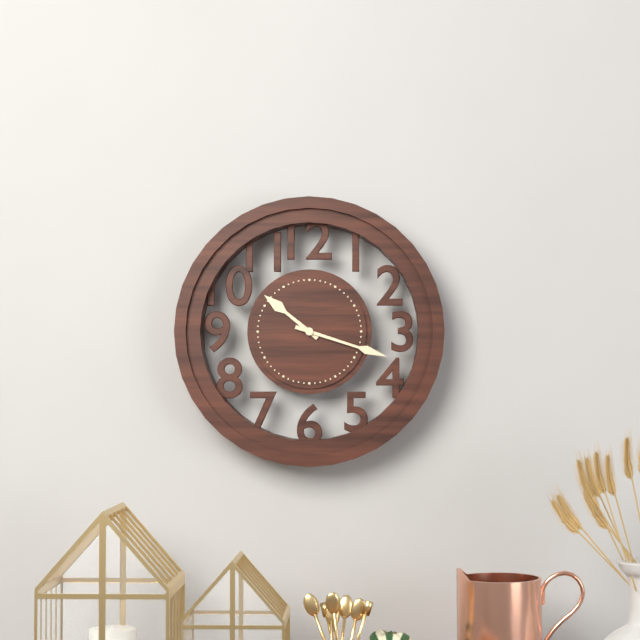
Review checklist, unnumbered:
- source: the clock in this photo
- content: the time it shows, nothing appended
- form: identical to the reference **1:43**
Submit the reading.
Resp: **10:18**
